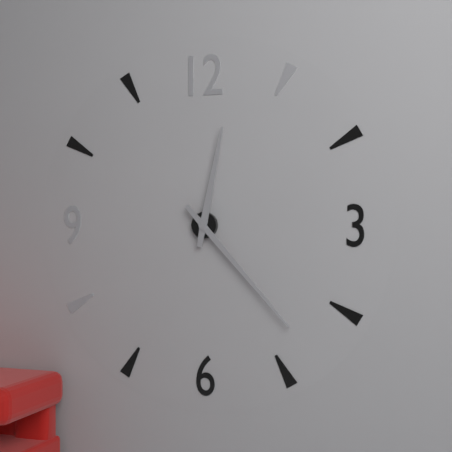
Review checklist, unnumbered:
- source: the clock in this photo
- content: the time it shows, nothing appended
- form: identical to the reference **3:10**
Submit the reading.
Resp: **12:23**
